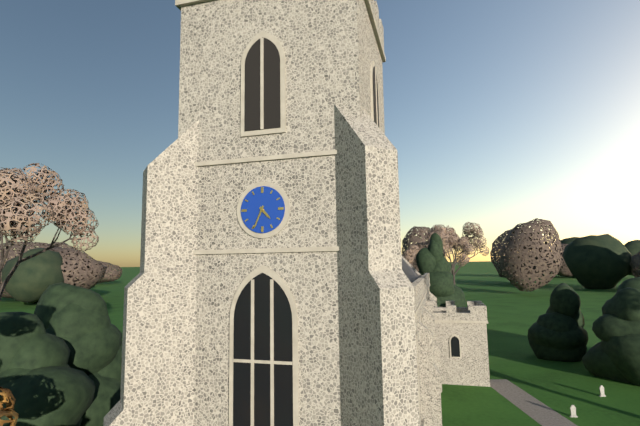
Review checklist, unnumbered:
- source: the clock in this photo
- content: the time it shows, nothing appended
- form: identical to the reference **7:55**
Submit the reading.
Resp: **4:34**
